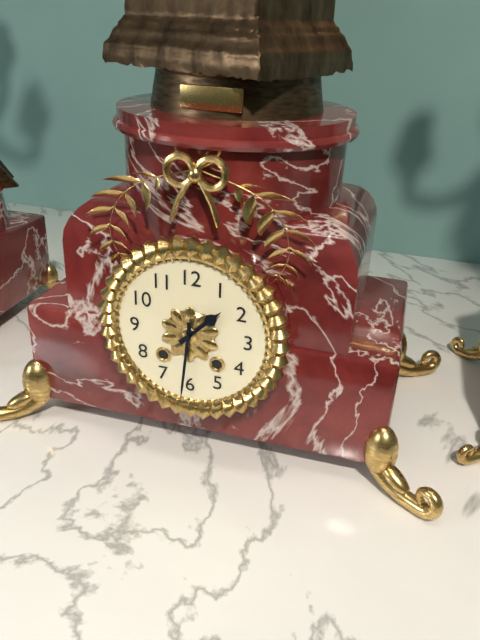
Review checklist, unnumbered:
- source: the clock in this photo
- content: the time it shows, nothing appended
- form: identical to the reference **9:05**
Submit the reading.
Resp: **1:31**
